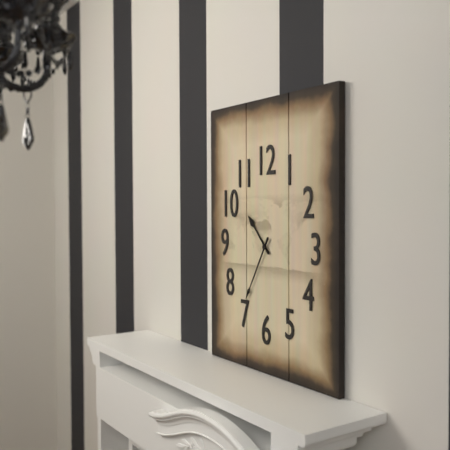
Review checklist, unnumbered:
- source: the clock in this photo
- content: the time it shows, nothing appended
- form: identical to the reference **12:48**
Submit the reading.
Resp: **10:35**
